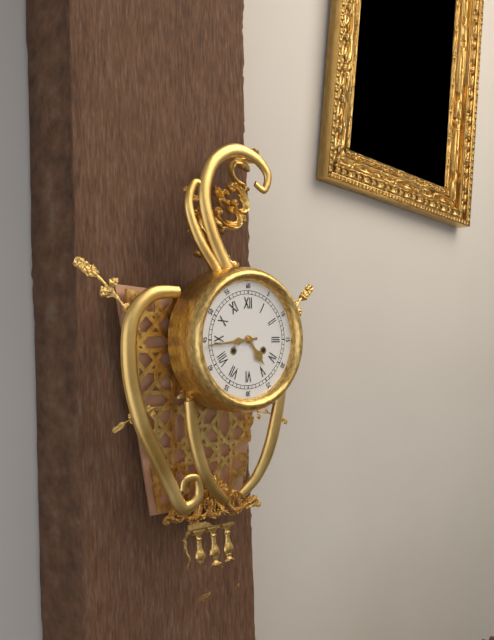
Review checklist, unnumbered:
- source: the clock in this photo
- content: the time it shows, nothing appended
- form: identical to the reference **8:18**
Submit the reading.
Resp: **4:44**
